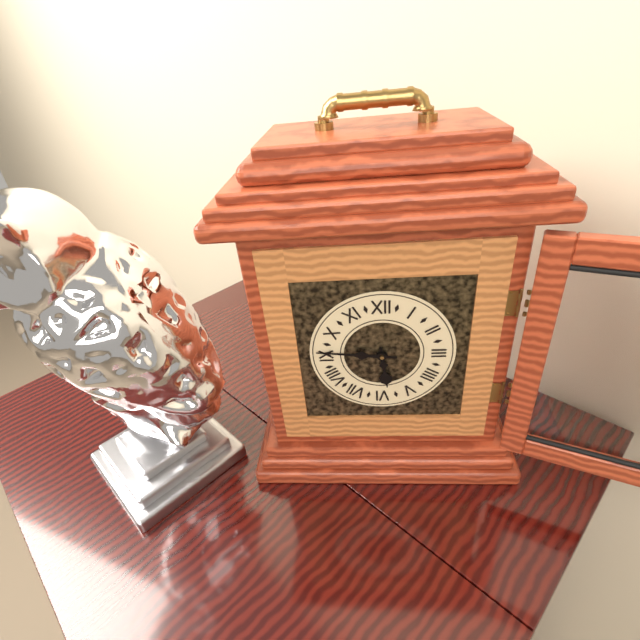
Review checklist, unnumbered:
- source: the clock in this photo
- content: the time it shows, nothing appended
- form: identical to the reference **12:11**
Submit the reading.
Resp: **5:46**
